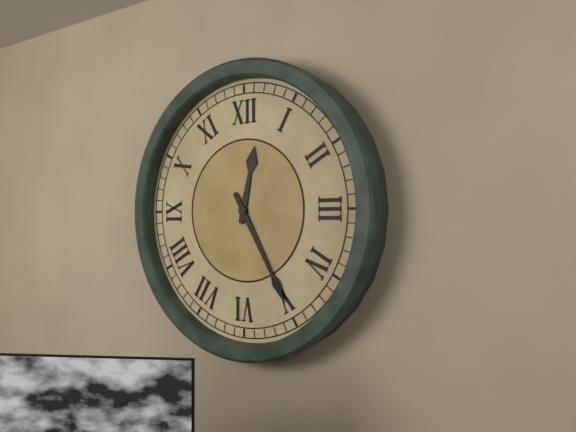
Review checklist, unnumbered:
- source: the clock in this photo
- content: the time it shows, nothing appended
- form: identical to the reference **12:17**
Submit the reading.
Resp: **12:25**
